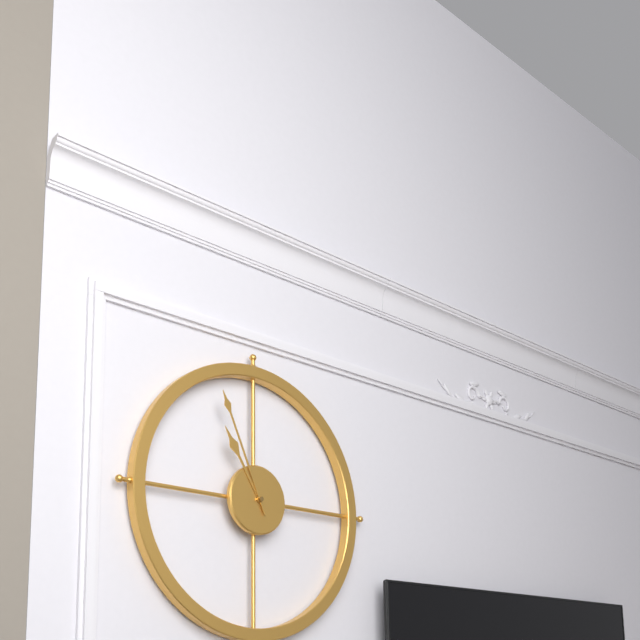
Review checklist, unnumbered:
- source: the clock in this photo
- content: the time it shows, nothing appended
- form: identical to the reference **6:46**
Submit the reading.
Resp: **10:56**
